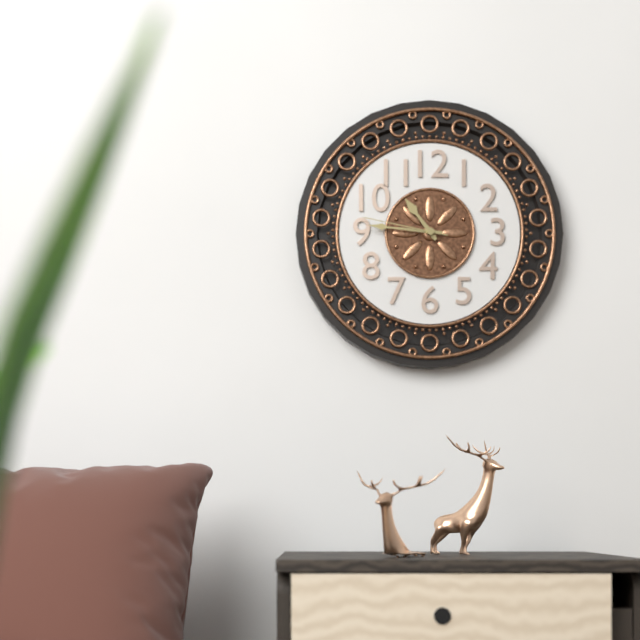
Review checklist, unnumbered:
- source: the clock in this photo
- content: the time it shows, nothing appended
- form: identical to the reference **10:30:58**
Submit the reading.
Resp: **10:46:47**
